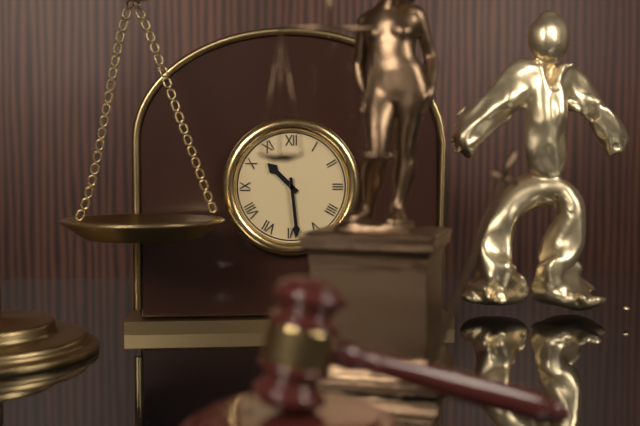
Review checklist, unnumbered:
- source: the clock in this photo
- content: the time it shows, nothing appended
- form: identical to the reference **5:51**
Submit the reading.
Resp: **10:29**
